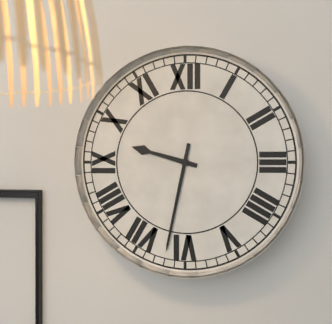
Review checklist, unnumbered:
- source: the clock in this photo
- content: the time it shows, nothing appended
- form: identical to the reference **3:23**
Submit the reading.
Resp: **9:32**
